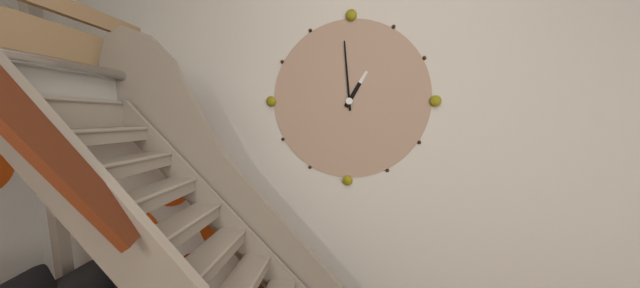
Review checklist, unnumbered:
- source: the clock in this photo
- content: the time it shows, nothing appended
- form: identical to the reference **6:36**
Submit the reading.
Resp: **12:59**
